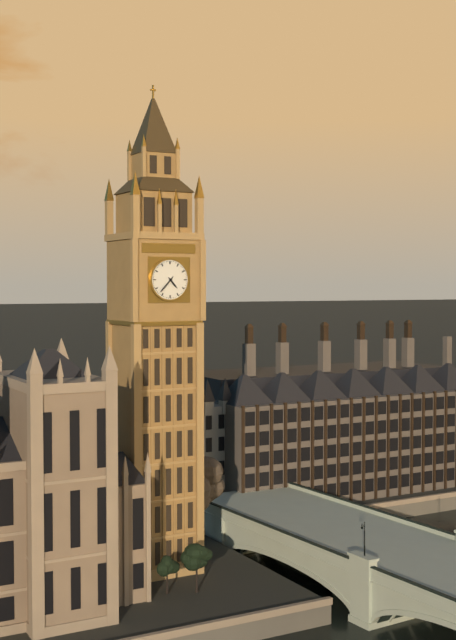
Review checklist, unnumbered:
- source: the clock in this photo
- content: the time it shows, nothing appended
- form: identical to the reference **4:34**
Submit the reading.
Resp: **4:37**
